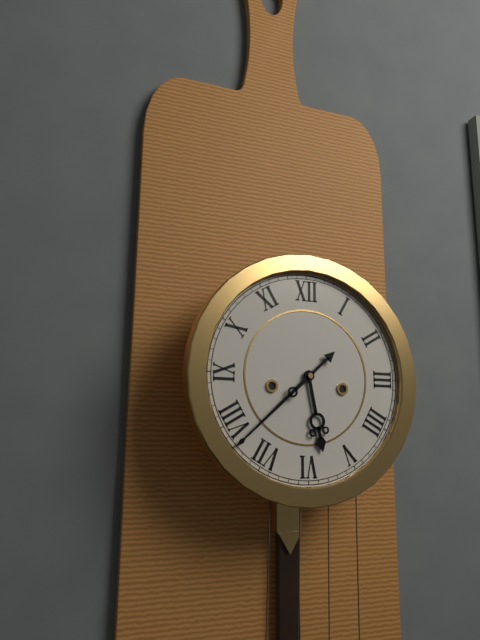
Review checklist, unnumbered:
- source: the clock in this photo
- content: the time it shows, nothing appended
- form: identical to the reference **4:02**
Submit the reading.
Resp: **5:38**
